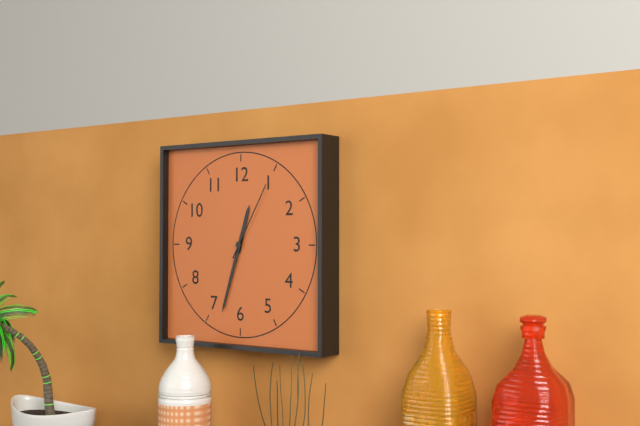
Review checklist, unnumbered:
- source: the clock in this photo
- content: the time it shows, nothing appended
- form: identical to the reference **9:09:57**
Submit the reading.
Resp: **12:33:05**
